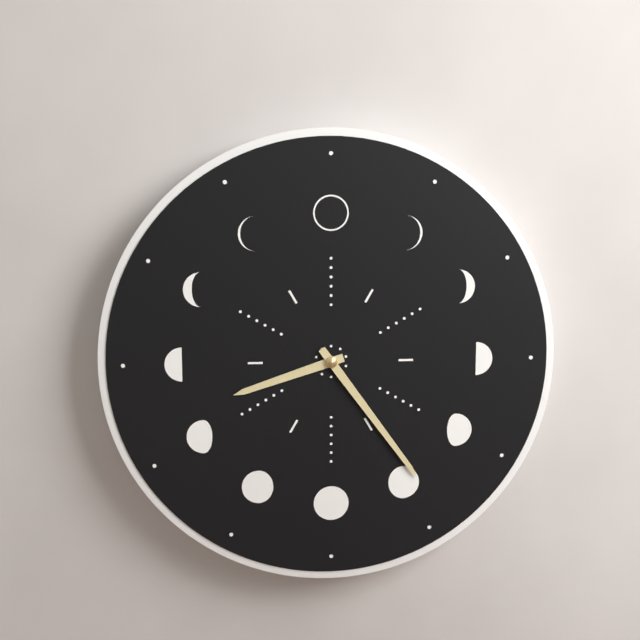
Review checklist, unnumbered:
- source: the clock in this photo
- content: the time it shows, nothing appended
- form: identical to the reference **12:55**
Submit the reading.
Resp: **8:24**
